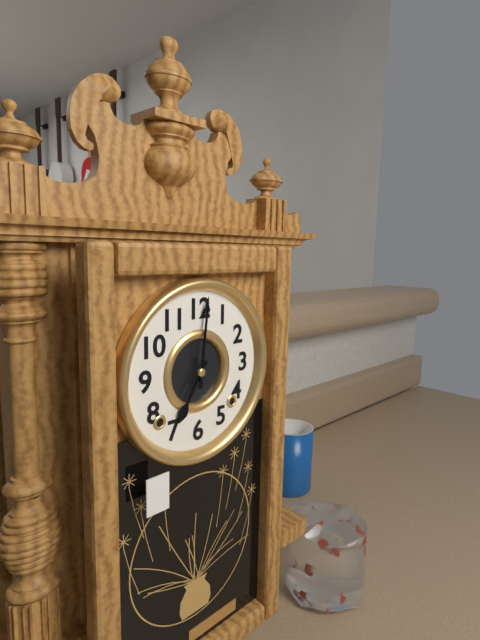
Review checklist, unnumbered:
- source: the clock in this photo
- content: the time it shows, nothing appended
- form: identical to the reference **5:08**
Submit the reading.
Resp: **7:01**
